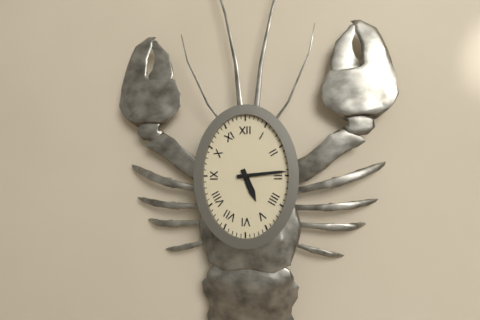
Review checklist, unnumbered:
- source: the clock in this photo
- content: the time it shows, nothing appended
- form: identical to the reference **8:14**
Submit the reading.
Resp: **5:14**
